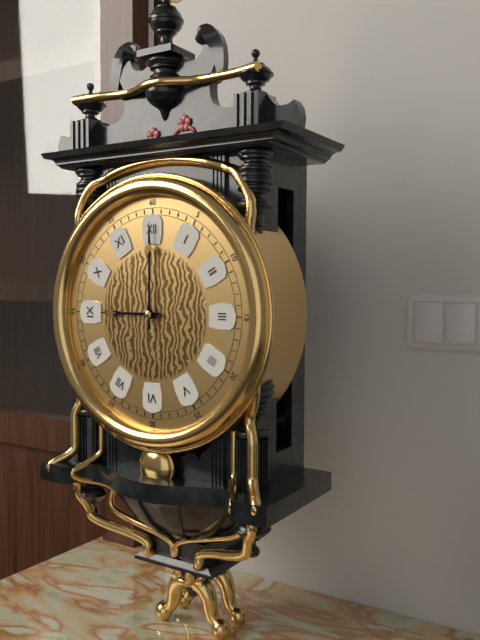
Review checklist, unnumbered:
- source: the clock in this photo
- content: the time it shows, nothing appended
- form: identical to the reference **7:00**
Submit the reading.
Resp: **9:00**
